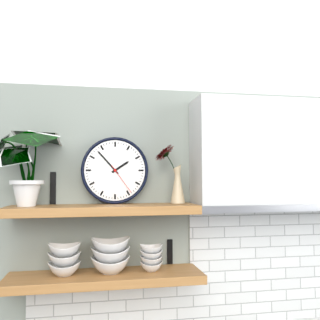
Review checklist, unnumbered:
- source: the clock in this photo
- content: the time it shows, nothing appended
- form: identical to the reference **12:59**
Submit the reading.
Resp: **1:53**
